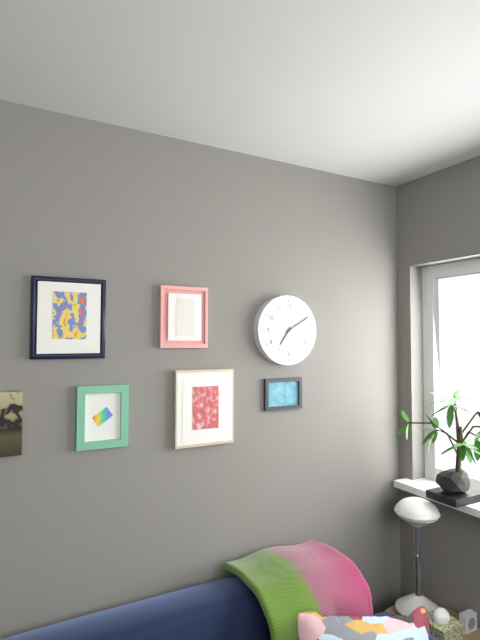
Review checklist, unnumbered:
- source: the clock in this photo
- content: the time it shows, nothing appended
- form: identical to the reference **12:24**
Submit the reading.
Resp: **7:10**
